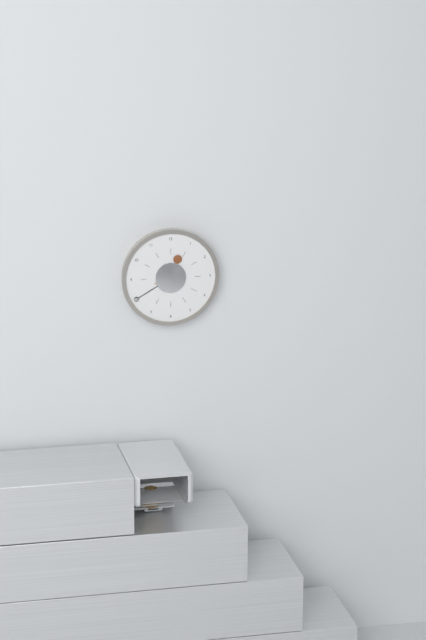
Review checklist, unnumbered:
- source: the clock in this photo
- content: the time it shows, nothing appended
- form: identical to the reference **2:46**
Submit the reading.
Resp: **12:40**
